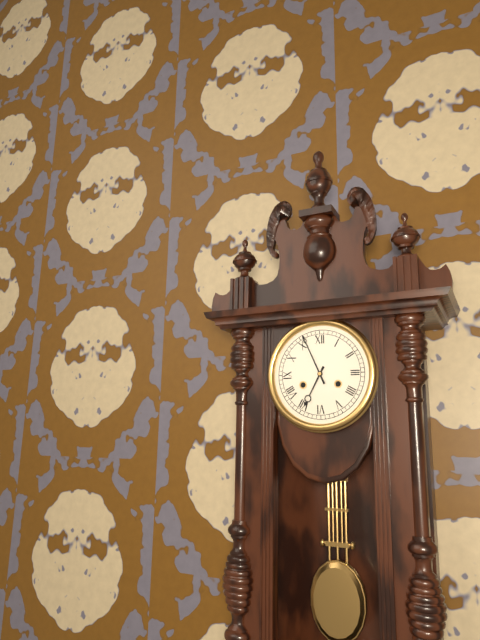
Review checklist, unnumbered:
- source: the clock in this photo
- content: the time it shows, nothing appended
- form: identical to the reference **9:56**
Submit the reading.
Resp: **6:56**
